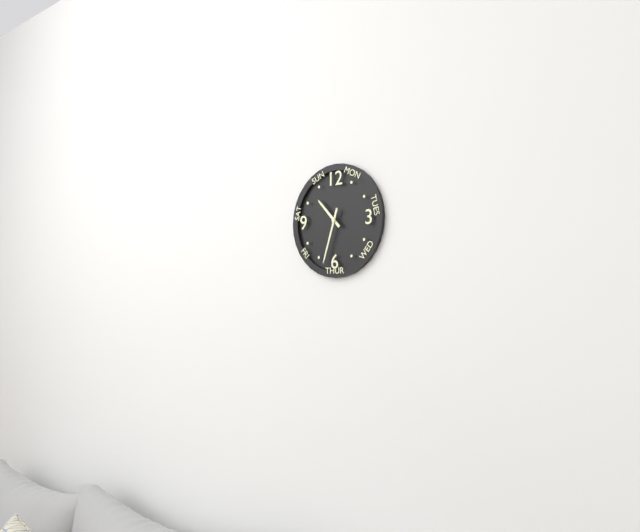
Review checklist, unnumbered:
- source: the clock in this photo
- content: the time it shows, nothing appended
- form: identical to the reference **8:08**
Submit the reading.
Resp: **10:33**
